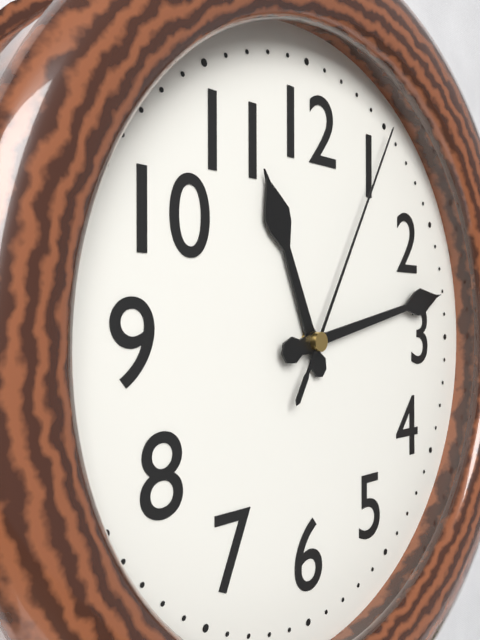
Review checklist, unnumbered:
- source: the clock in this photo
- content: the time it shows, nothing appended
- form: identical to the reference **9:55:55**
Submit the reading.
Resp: **11:13:05**
